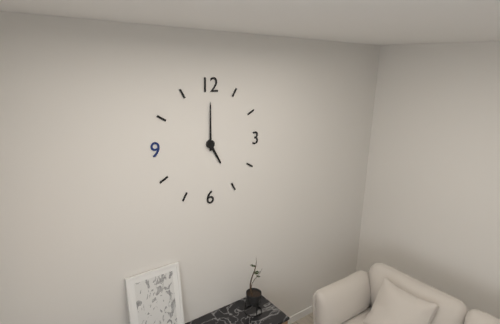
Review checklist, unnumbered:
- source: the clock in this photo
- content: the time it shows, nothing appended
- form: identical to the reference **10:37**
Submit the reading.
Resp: **5:00**
